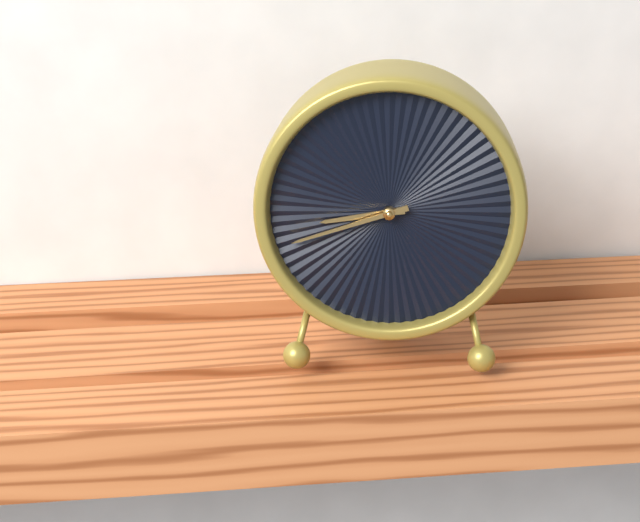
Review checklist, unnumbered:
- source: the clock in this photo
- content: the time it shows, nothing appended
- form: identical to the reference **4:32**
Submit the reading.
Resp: **8:42**
